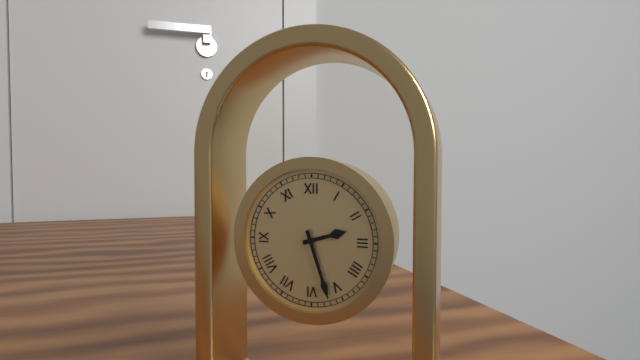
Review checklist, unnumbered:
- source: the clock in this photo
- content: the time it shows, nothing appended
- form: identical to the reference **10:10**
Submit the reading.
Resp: **2:27**
